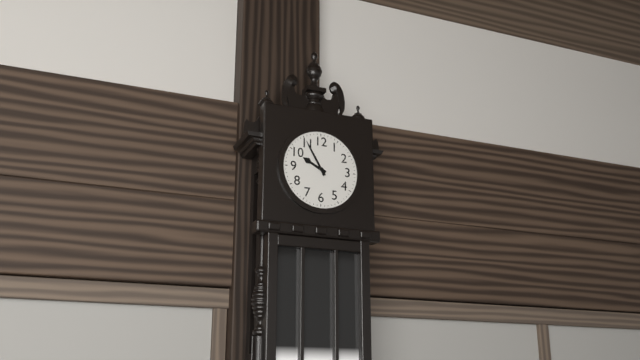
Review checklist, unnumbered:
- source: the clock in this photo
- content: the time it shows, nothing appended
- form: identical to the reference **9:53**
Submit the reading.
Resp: **9:55**
